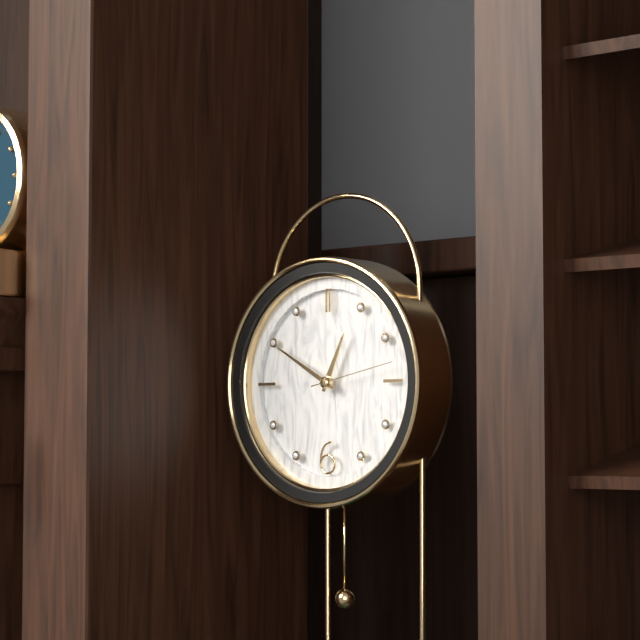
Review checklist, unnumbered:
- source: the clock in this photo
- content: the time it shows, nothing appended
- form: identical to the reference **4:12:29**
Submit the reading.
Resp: **12:50:13**
